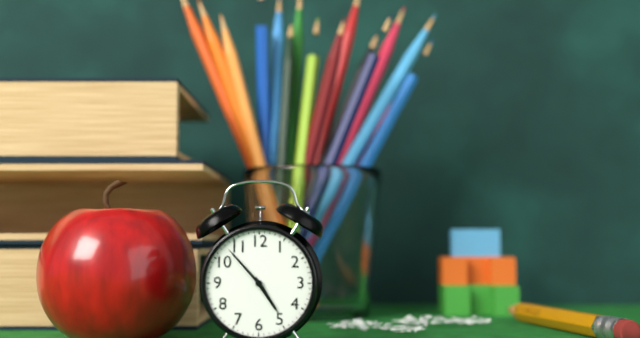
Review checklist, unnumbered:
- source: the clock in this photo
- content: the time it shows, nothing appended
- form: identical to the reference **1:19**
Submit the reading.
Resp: **4:53**
